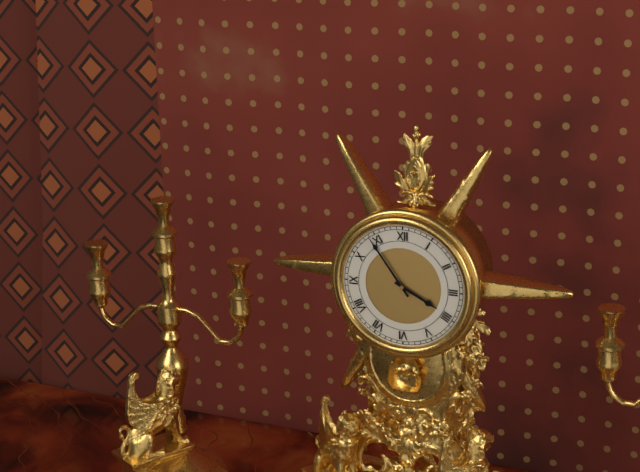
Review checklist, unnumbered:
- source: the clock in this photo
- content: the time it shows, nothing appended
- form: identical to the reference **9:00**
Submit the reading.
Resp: **3:54**
